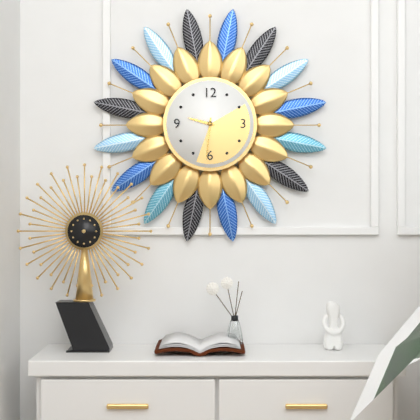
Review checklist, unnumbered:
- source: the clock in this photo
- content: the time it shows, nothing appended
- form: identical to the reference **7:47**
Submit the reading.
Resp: **9:31**
